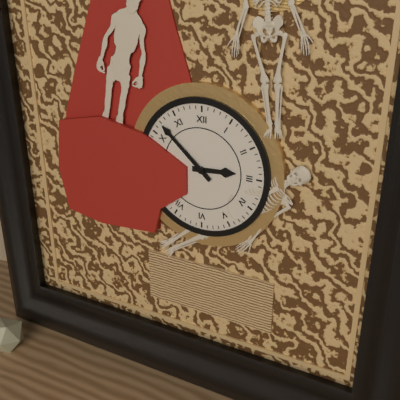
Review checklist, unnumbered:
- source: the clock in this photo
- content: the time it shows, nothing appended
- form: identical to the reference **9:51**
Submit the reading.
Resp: **2:52**
